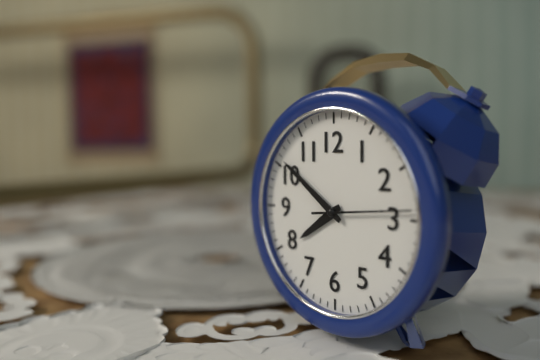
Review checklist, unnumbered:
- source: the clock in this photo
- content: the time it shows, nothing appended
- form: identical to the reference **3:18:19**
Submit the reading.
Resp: **7:51:14**
